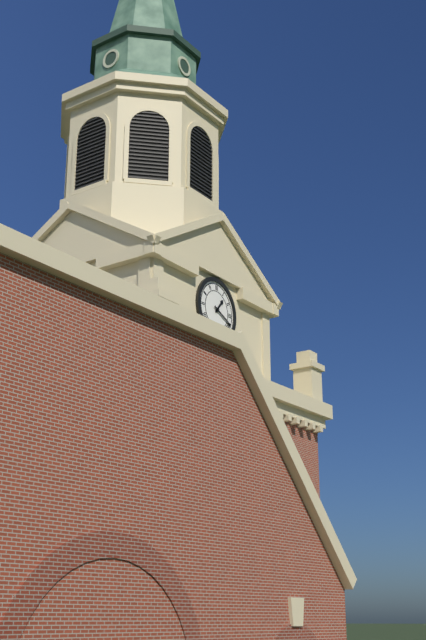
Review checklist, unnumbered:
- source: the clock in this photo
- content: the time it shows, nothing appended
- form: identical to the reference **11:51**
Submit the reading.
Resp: **1:19**
